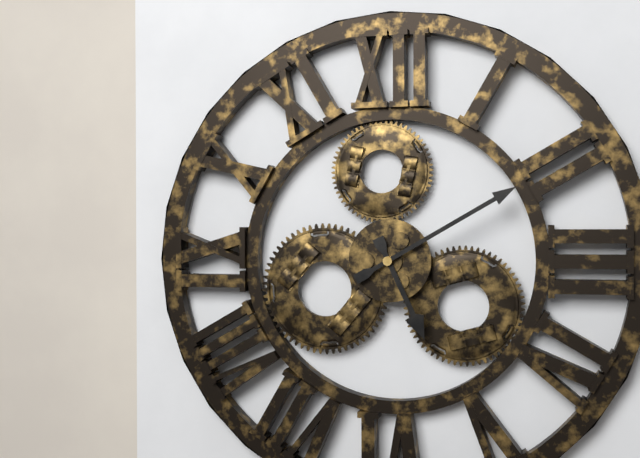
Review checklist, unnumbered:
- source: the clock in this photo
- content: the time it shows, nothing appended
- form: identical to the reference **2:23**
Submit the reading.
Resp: **5:10**
